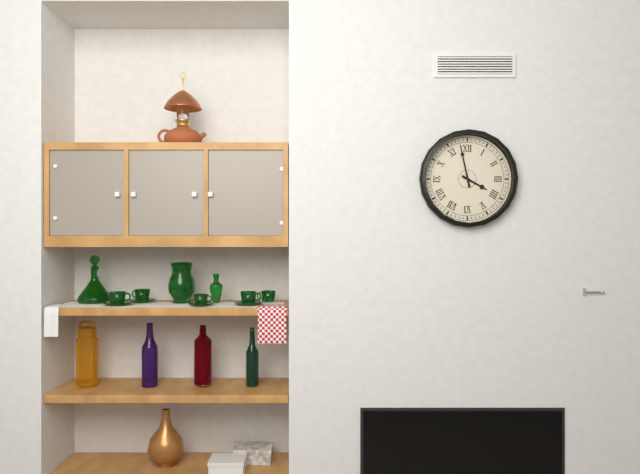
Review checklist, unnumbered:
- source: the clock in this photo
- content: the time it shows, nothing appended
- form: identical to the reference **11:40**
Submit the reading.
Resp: **3:58**
